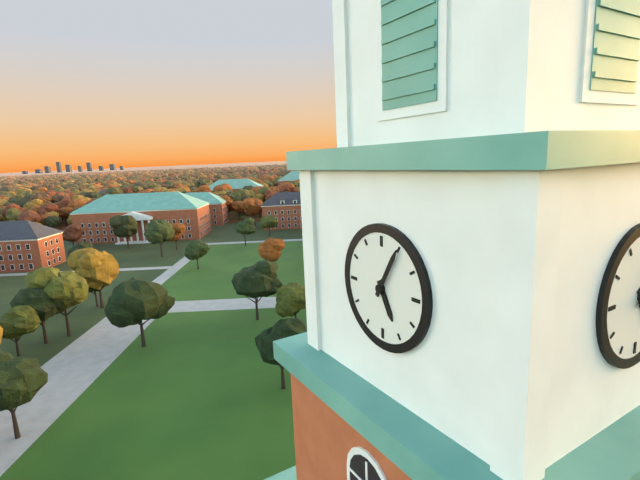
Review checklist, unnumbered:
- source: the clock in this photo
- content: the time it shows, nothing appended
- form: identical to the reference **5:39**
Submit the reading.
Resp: **5:05**
